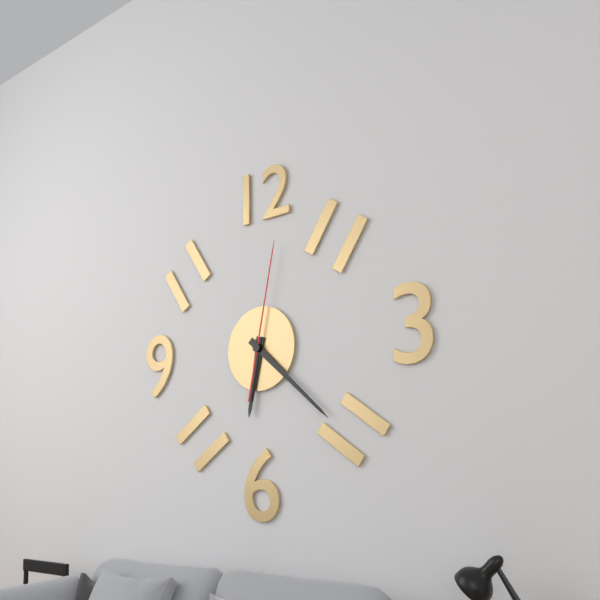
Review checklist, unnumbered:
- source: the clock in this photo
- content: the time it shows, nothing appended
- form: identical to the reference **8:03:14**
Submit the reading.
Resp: **6:22:02**
